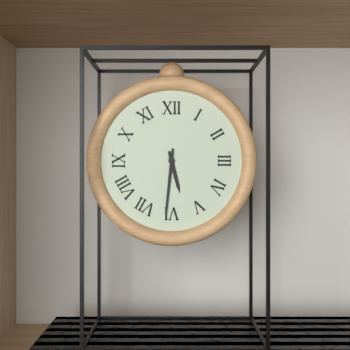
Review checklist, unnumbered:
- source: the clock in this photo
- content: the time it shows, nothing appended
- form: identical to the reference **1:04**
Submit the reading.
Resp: **5:31**
